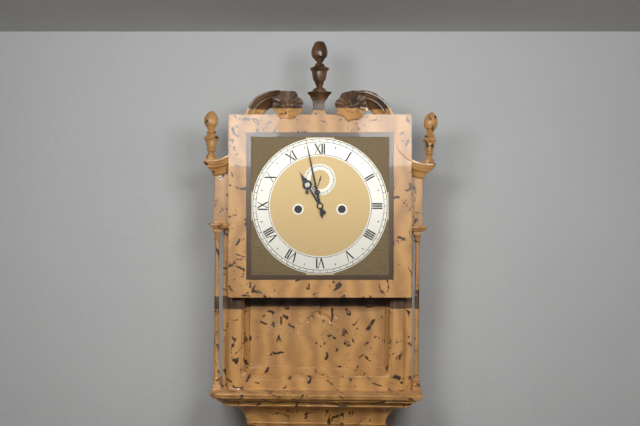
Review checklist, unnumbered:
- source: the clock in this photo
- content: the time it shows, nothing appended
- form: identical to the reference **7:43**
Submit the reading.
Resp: **10:58**
